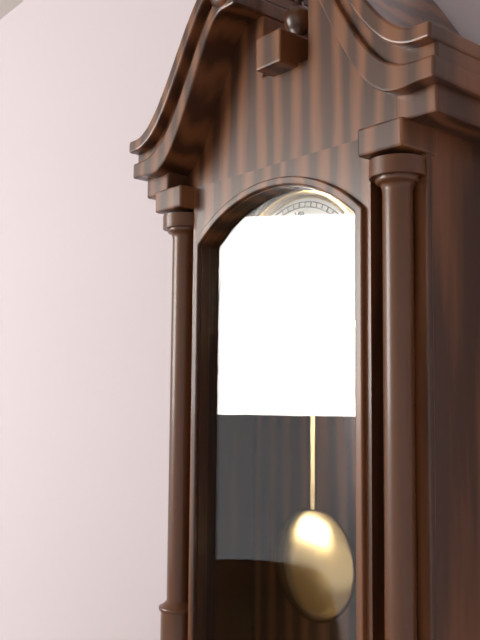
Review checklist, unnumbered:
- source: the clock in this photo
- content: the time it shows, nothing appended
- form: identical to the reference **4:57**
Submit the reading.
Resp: **2:55**
